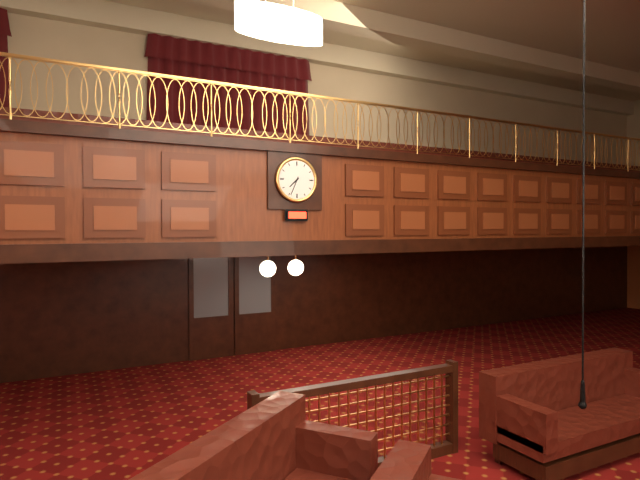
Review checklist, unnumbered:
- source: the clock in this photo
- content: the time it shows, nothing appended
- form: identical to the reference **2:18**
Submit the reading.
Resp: **7:34**
